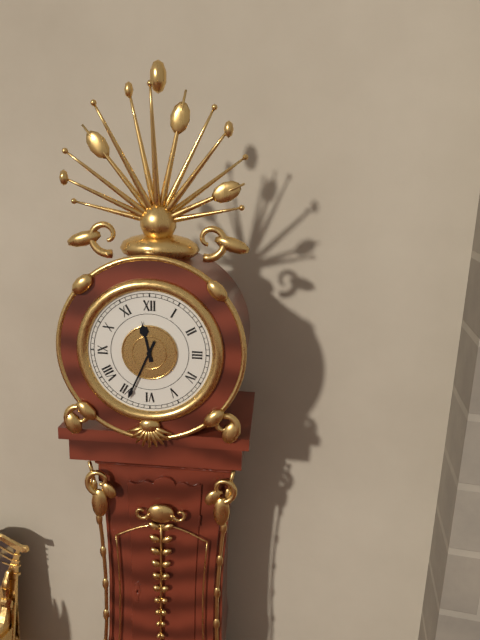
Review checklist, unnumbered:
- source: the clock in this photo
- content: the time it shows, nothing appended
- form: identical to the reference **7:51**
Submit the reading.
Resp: **11:34**
